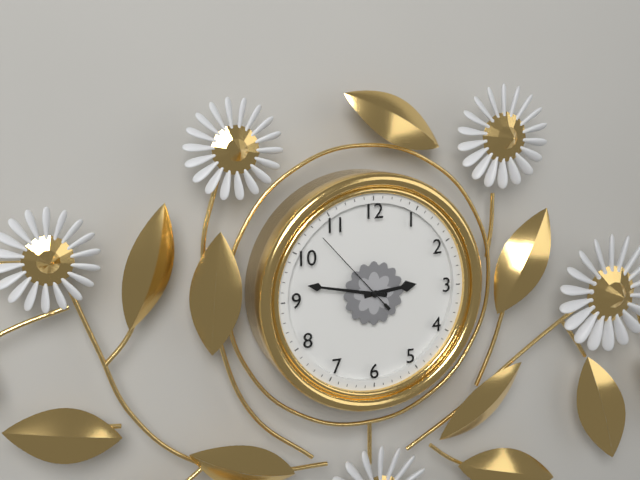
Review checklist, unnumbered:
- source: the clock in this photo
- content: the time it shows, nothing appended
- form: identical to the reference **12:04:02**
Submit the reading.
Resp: **2:47:53**
